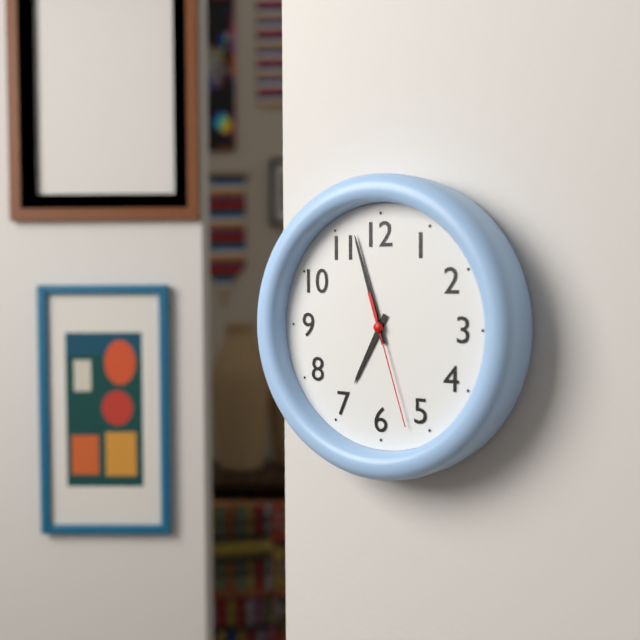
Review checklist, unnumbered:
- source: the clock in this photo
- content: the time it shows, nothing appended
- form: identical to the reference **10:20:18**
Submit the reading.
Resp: **6:57:27**
